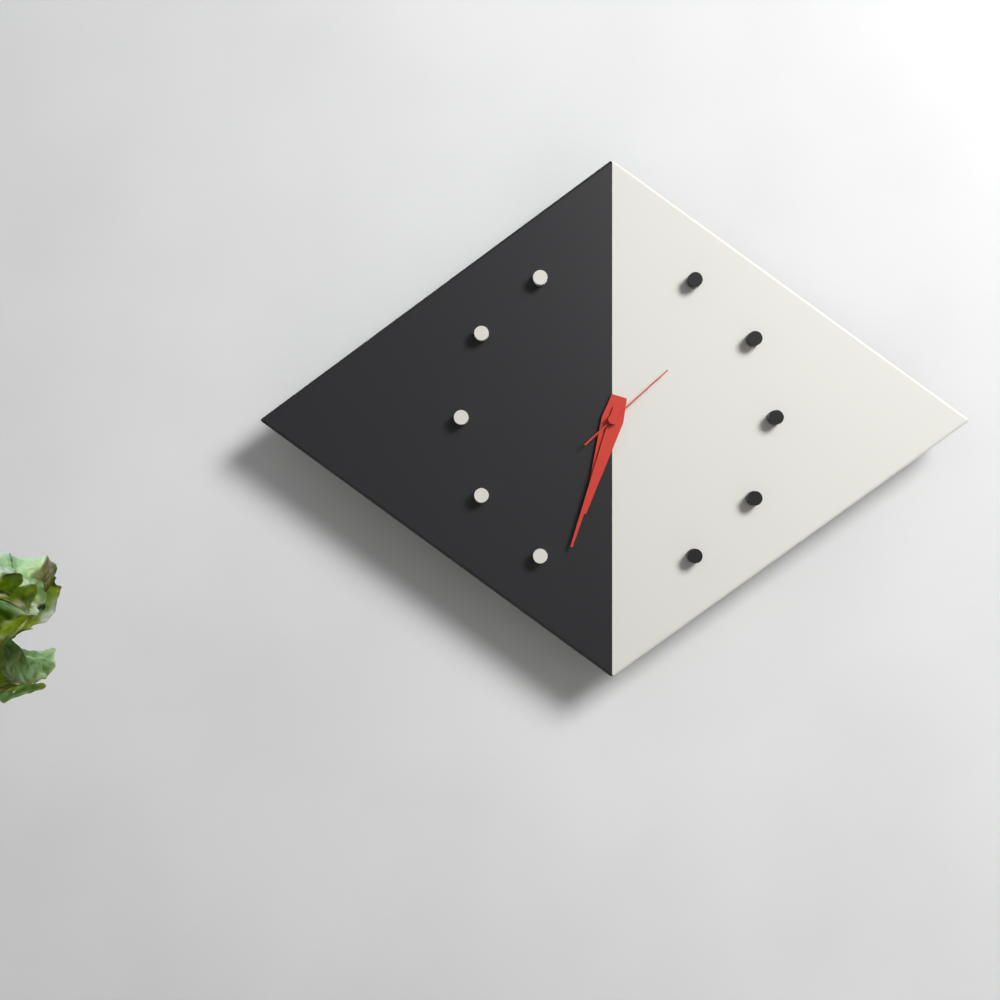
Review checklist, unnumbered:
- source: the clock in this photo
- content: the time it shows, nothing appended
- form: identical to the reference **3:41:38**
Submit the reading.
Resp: **6:33:08**
